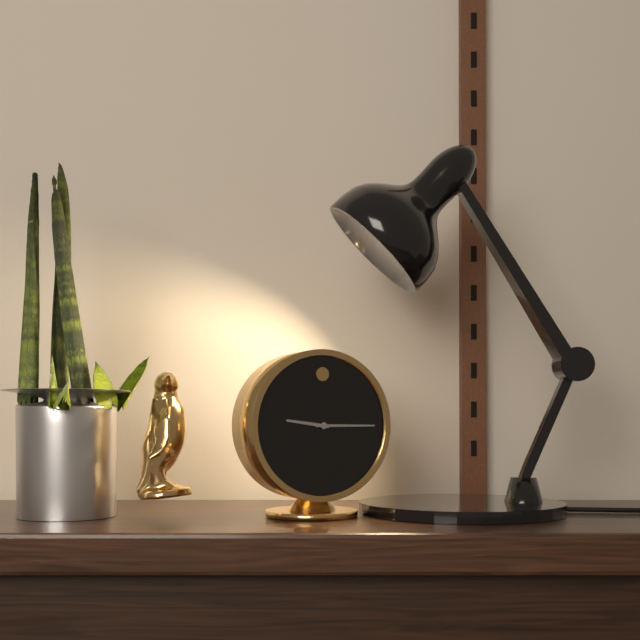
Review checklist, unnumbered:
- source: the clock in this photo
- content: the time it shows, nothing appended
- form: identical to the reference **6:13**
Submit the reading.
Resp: **9:15**
